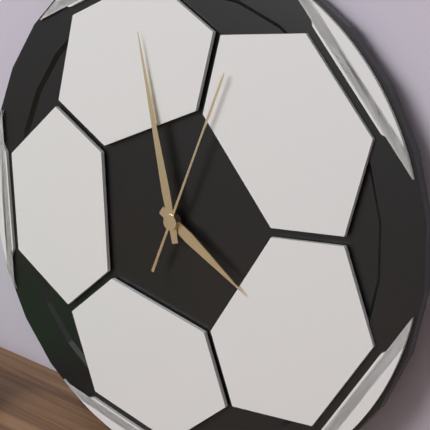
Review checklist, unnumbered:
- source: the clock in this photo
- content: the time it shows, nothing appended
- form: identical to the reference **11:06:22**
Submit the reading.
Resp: **3:57:03**
